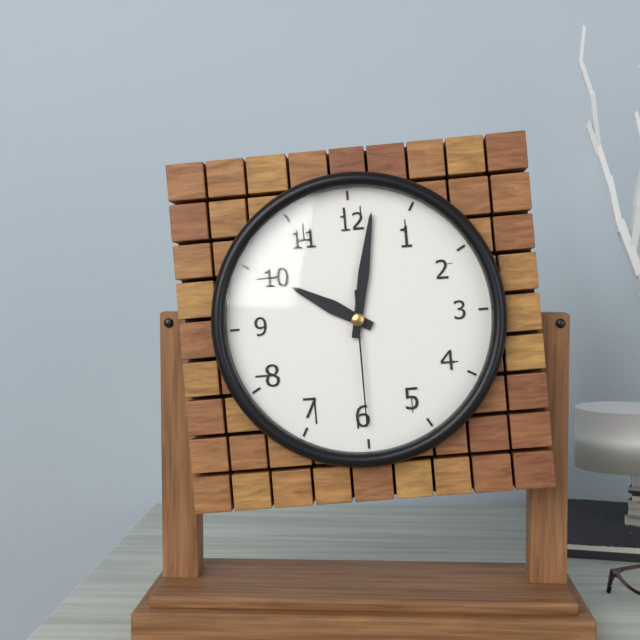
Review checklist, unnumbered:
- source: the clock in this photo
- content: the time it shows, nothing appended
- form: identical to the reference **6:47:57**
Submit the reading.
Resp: **10:02:30**
